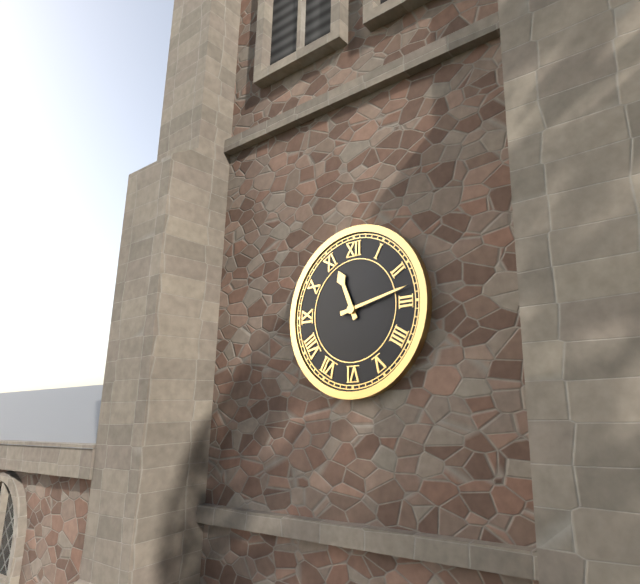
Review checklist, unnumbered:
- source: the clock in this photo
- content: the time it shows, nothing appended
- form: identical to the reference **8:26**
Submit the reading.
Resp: **11:13**
